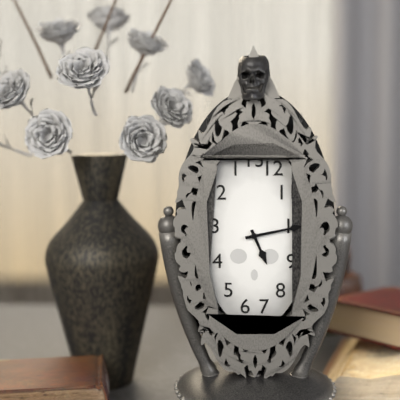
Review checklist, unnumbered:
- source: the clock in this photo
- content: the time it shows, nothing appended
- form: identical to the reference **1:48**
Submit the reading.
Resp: **5:13**
